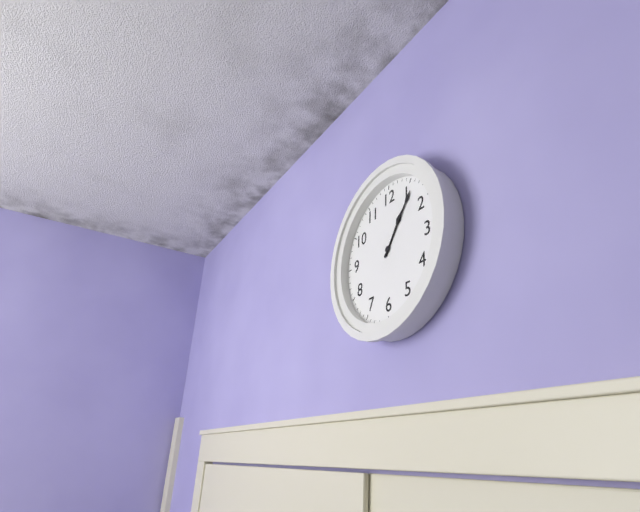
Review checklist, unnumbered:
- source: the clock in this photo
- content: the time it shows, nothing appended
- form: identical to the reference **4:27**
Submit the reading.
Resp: **1:06**
